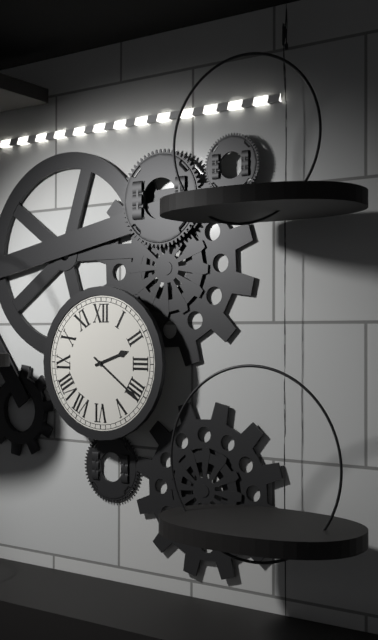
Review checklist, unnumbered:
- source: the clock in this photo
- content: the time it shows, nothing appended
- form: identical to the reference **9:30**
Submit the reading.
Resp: **2:21**
